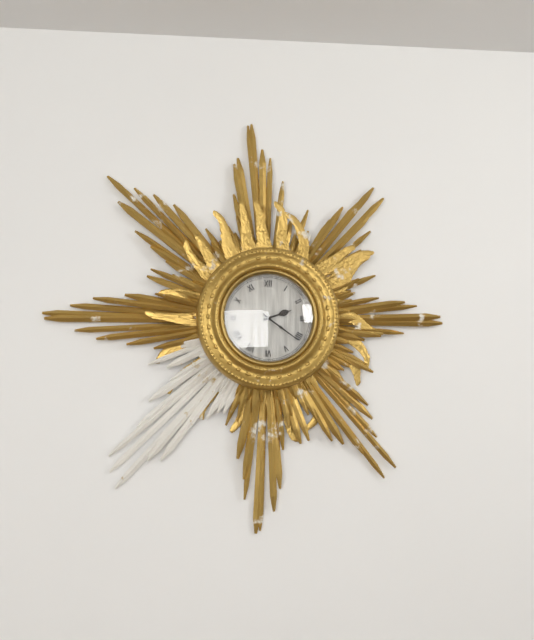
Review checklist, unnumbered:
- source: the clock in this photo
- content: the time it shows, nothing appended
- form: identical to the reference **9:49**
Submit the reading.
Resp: **2:21**
